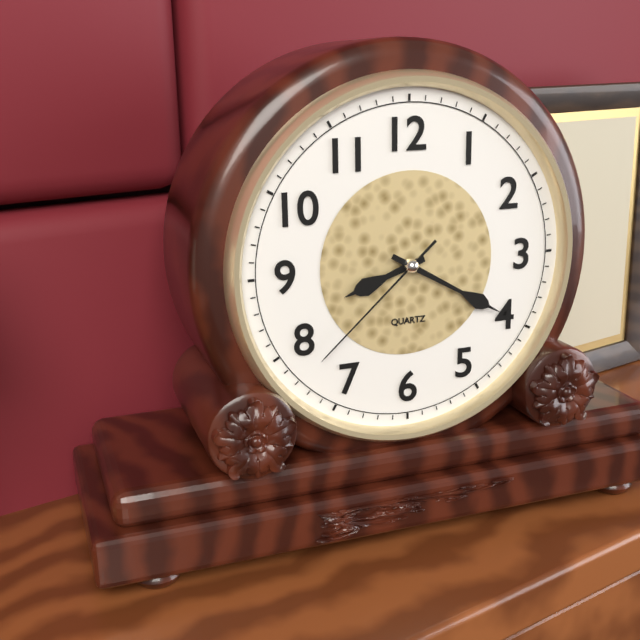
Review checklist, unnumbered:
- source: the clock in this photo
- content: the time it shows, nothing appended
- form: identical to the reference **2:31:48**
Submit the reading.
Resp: **8:20:38**
